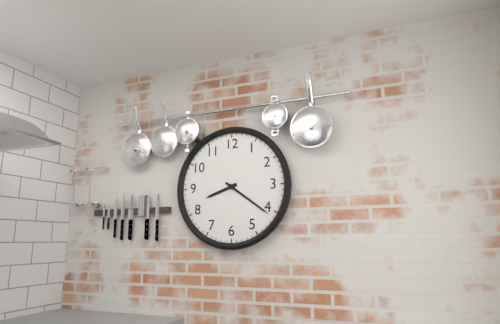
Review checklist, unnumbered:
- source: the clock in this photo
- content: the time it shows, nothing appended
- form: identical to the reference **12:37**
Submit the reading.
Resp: **8:21**
